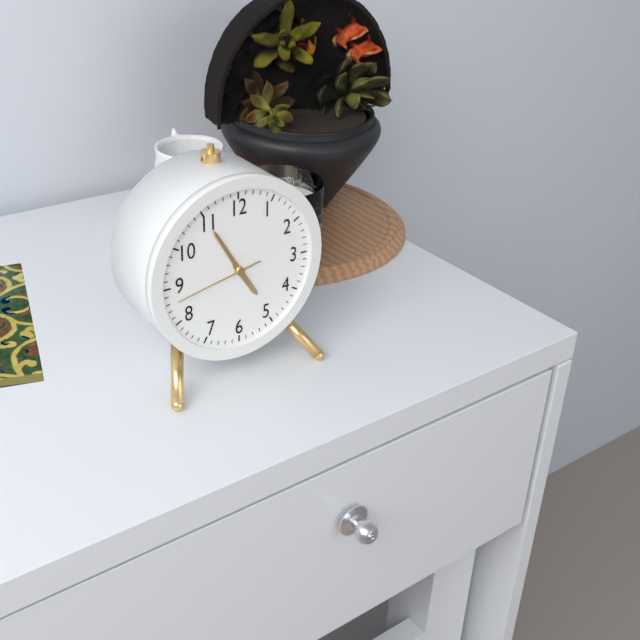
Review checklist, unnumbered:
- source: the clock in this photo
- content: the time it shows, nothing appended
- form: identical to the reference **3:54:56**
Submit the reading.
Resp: **4:55:43**
